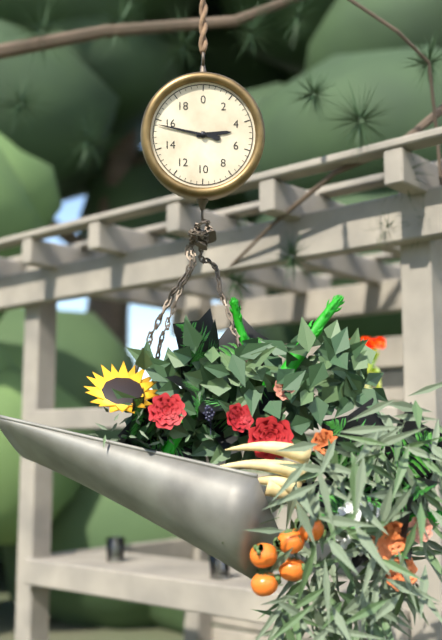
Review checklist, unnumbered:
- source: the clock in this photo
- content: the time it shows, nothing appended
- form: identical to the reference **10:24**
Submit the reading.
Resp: **2:47**
